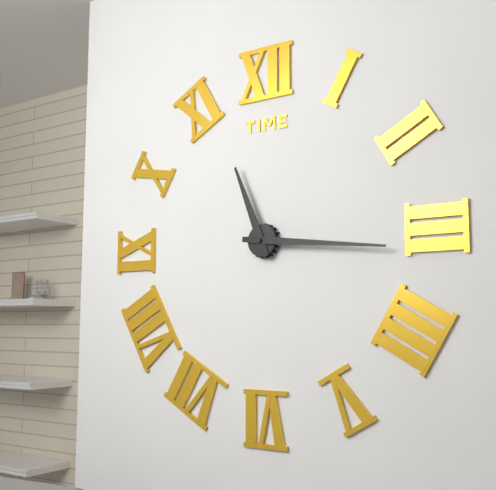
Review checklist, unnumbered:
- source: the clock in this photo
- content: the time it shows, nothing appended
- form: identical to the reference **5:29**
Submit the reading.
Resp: **11:16**
